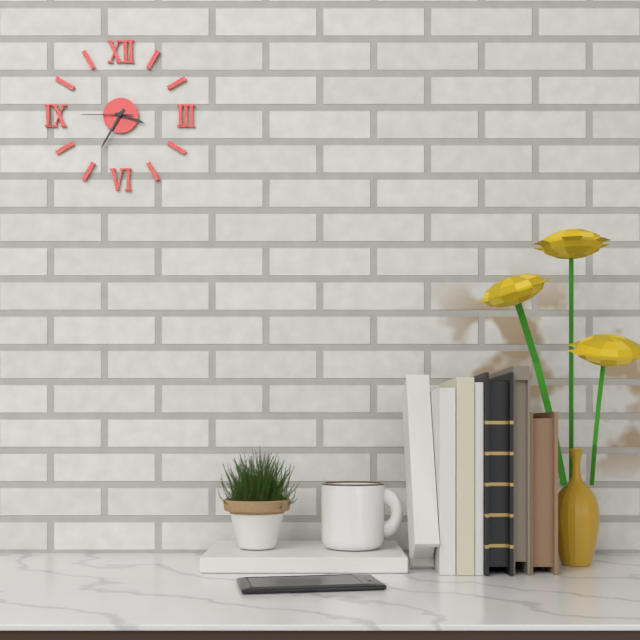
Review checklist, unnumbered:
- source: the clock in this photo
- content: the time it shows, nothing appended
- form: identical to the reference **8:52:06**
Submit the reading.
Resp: **3:35:45**
